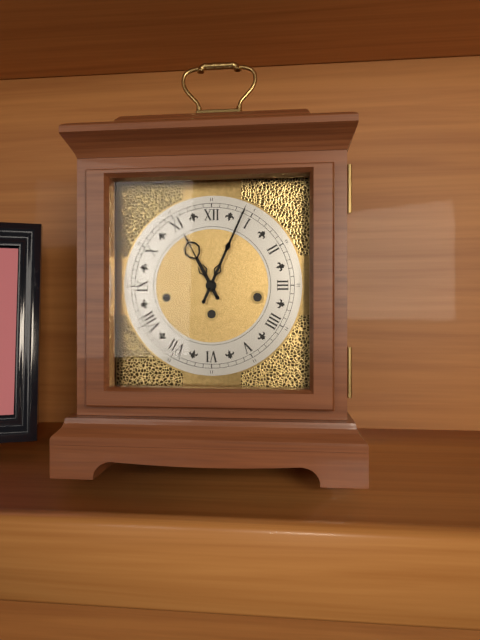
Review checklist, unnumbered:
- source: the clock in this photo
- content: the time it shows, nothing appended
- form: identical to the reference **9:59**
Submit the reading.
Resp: **11:04**
